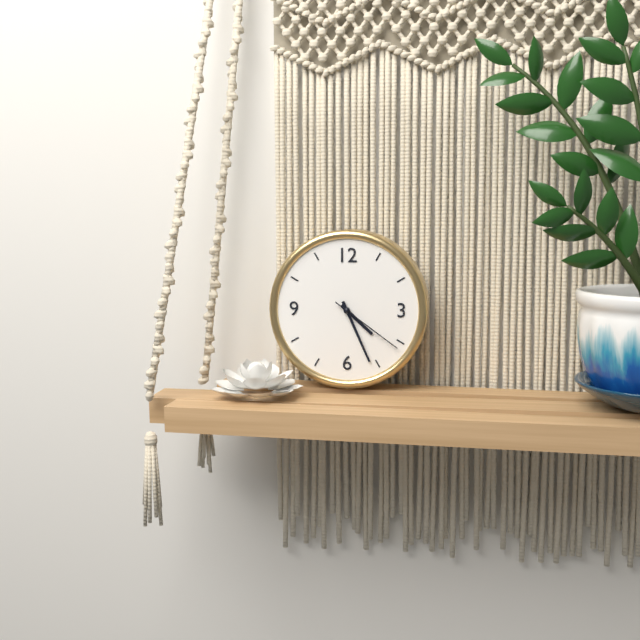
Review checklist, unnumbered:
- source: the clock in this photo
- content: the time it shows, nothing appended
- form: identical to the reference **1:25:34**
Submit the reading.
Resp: **4:26:21**
